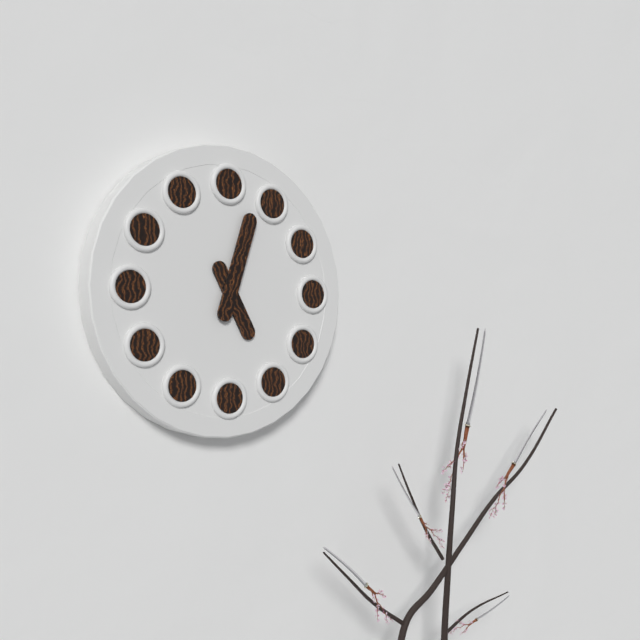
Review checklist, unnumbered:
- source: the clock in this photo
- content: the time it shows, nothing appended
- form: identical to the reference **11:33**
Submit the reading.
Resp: **5:03**
